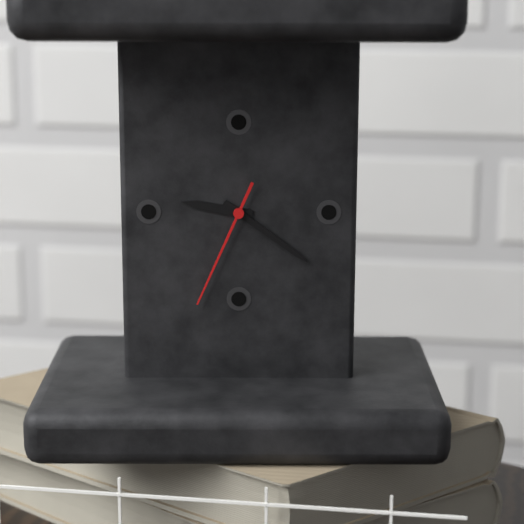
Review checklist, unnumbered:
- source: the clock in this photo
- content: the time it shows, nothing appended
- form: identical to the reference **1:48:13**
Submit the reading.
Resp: **9:21:34**
